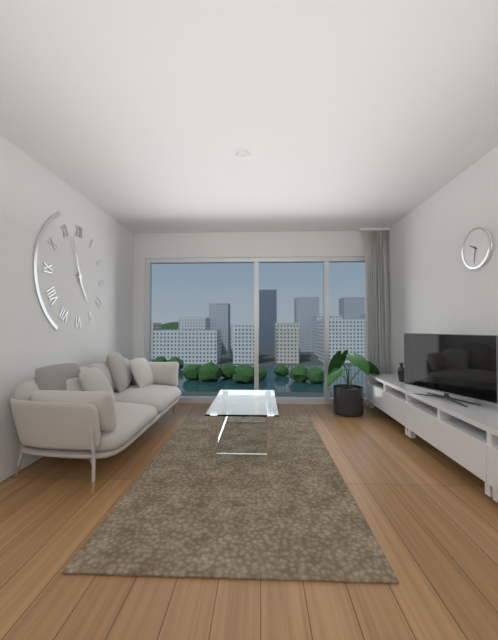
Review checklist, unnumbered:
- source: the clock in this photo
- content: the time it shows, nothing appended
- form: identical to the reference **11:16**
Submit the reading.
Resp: **4:57**
